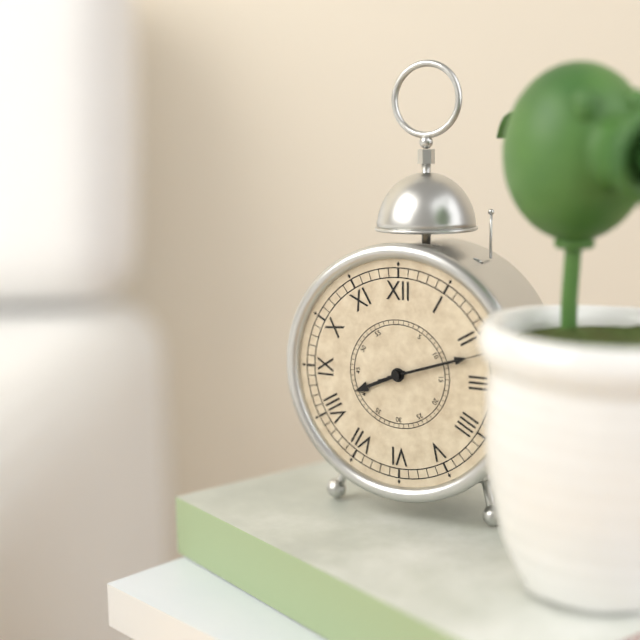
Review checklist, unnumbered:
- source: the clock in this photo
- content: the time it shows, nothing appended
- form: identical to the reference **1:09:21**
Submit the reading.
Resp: **8:12:12**
